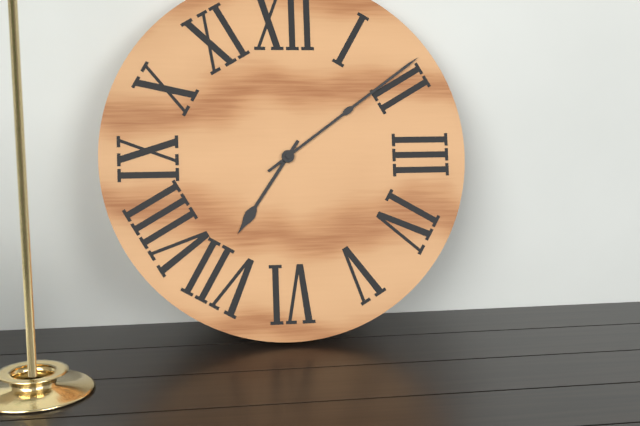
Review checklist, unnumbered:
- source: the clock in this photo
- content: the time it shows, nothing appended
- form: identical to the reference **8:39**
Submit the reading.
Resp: **7:09**
